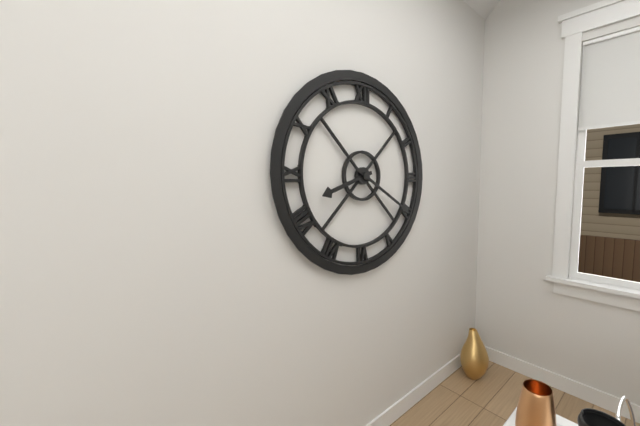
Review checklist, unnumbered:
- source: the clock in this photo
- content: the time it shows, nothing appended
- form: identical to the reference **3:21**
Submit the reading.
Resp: **8:20**
